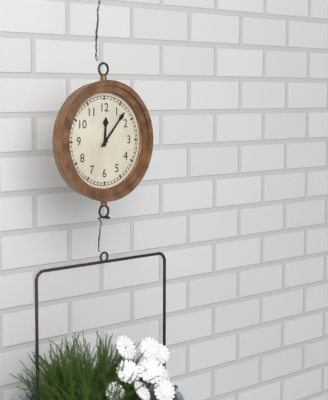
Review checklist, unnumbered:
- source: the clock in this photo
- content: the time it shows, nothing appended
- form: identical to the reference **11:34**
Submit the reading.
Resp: **12:07**
